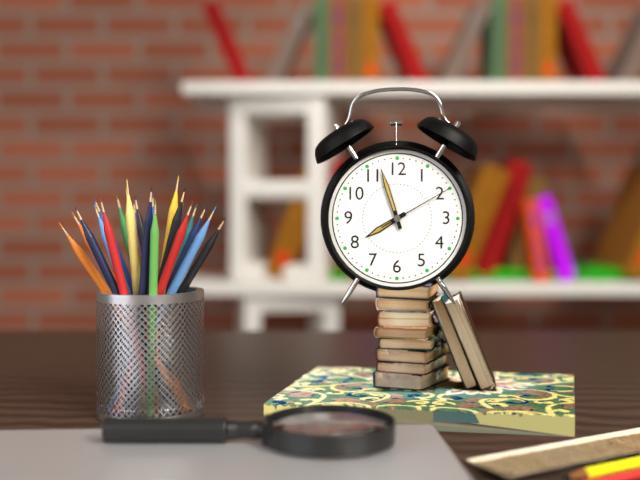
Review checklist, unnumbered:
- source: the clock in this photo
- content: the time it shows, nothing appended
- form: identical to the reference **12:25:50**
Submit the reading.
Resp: **7:57:10**
